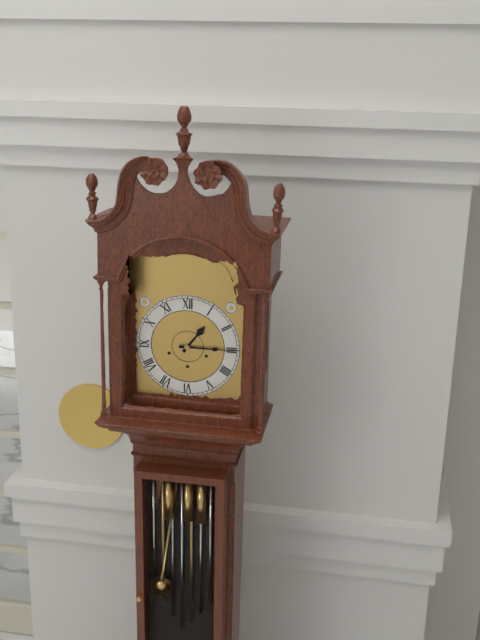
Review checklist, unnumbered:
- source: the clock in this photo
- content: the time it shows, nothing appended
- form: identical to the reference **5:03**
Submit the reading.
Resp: **1:15**
